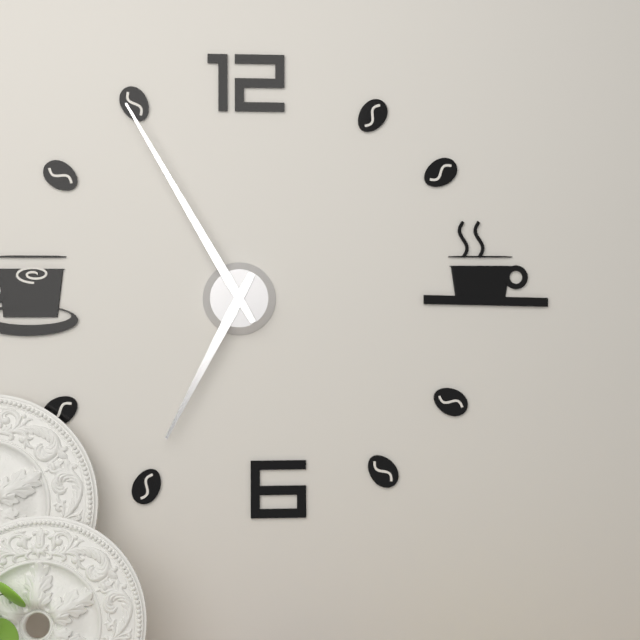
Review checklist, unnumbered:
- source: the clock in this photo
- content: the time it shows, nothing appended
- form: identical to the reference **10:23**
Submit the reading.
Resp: **6:55**
